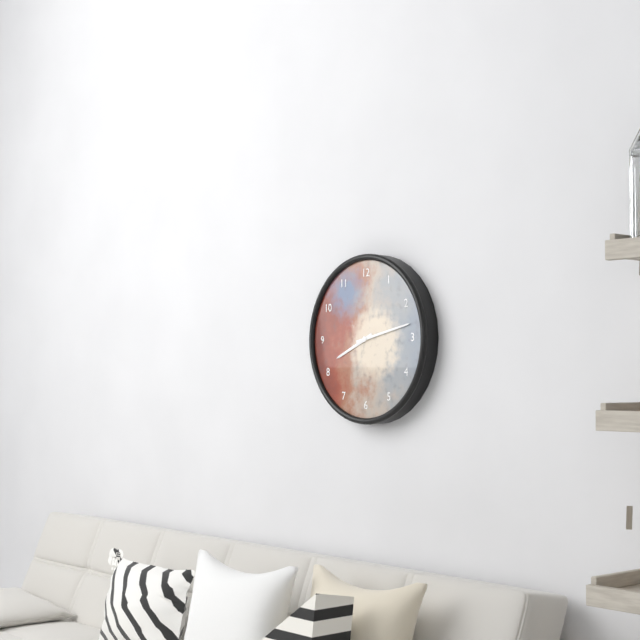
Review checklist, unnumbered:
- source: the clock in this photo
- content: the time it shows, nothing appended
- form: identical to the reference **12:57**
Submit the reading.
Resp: **8:13**
